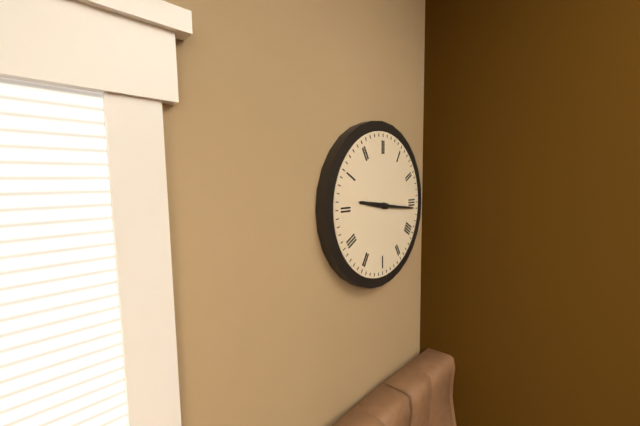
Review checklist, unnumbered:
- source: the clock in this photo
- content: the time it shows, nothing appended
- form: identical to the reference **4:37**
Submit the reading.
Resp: **9:16**
